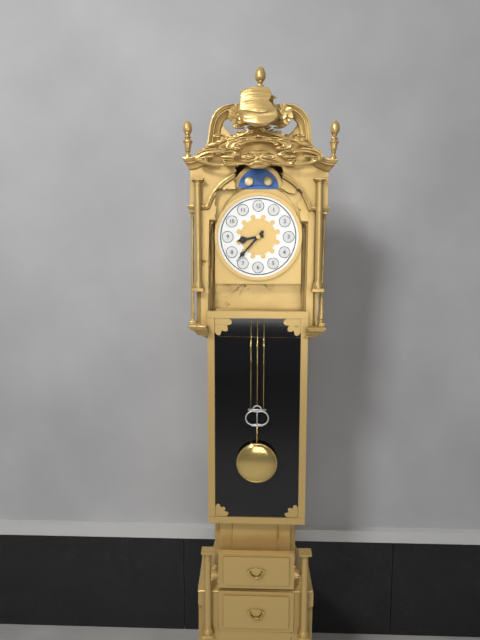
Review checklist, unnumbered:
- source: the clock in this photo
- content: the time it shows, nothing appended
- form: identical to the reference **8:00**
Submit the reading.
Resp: **8:37**
